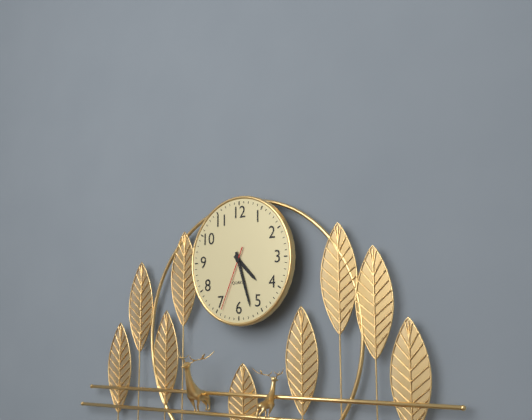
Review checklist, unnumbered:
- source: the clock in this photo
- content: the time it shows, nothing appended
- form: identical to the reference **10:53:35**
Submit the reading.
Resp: **4:27:34**
